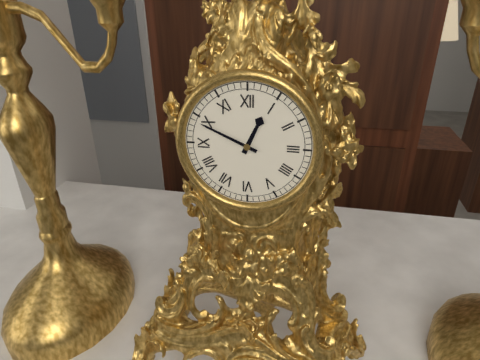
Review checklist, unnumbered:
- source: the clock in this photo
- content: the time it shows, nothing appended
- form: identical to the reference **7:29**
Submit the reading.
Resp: **12:49**
